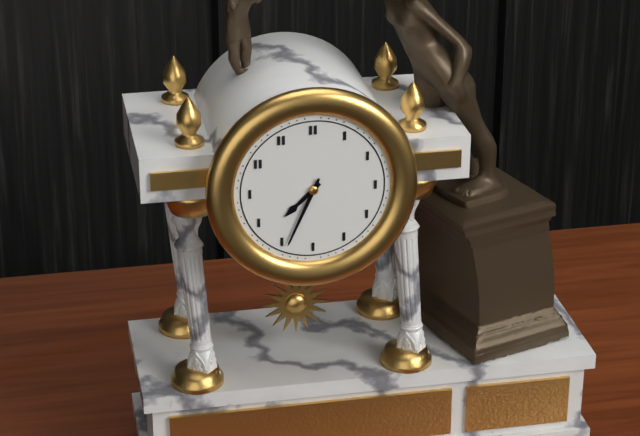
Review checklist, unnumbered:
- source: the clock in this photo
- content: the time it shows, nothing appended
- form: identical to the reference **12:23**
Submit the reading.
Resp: **7:34**
